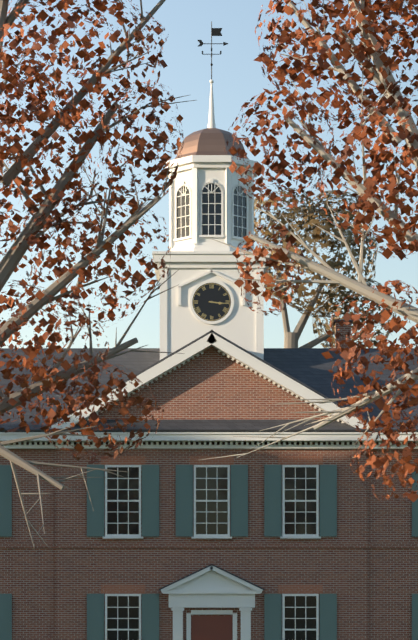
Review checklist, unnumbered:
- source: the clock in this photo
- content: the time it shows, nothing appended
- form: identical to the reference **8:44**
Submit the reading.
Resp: **3:16**
